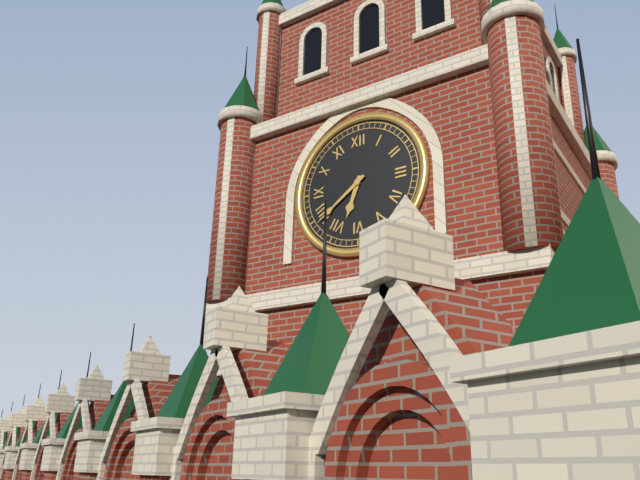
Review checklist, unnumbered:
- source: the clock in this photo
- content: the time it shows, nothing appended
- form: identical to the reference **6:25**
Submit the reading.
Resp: **6:39**
